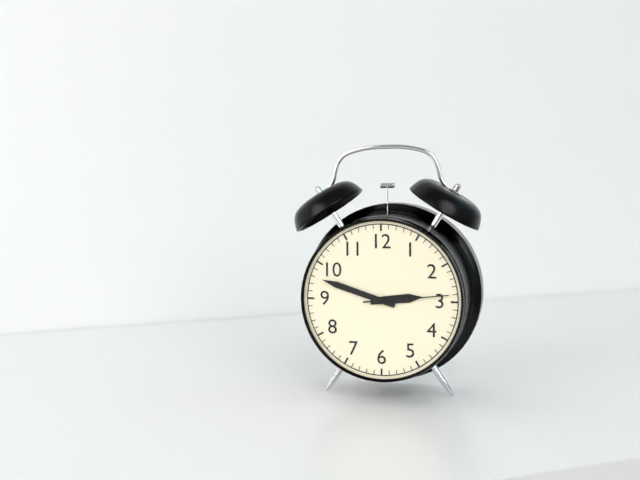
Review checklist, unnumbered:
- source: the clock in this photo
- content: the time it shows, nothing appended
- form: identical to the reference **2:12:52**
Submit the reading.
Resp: **2:48:14**
